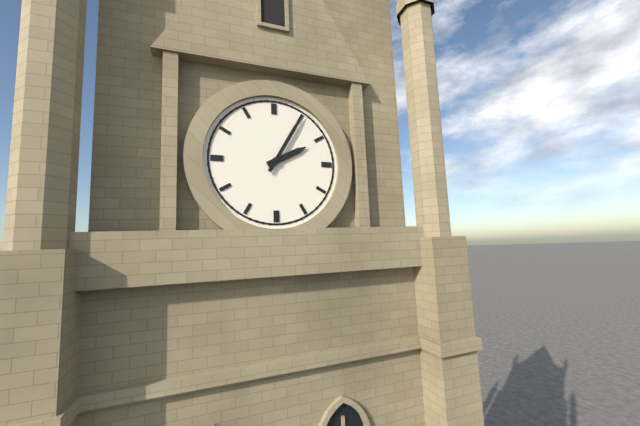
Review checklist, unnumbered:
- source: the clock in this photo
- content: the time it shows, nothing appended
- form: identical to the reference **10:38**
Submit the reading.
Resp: **2:05**
